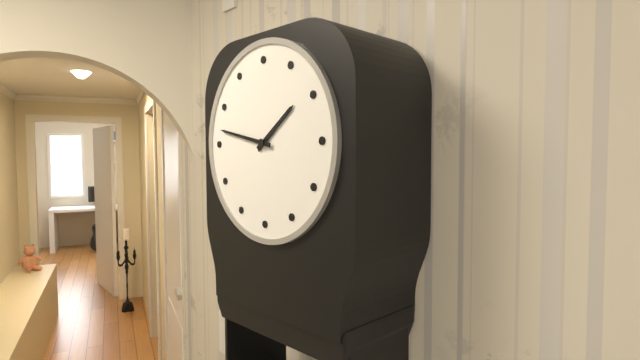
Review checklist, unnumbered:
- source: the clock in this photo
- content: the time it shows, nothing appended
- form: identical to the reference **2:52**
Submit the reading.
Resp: **1:47**
